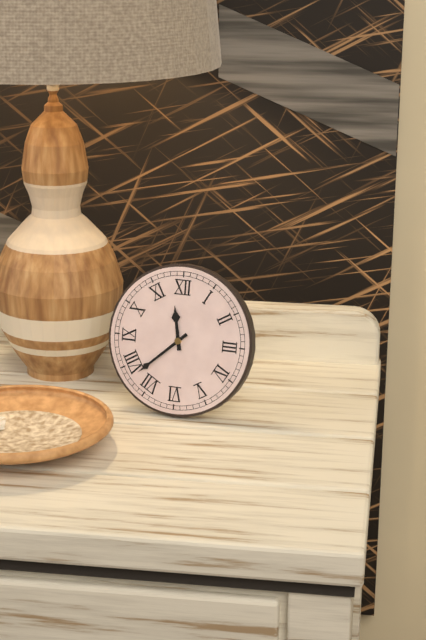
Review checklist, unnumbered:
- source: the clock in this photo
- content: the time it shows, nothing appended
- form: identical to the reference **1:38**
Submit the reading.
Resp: **11:38**
